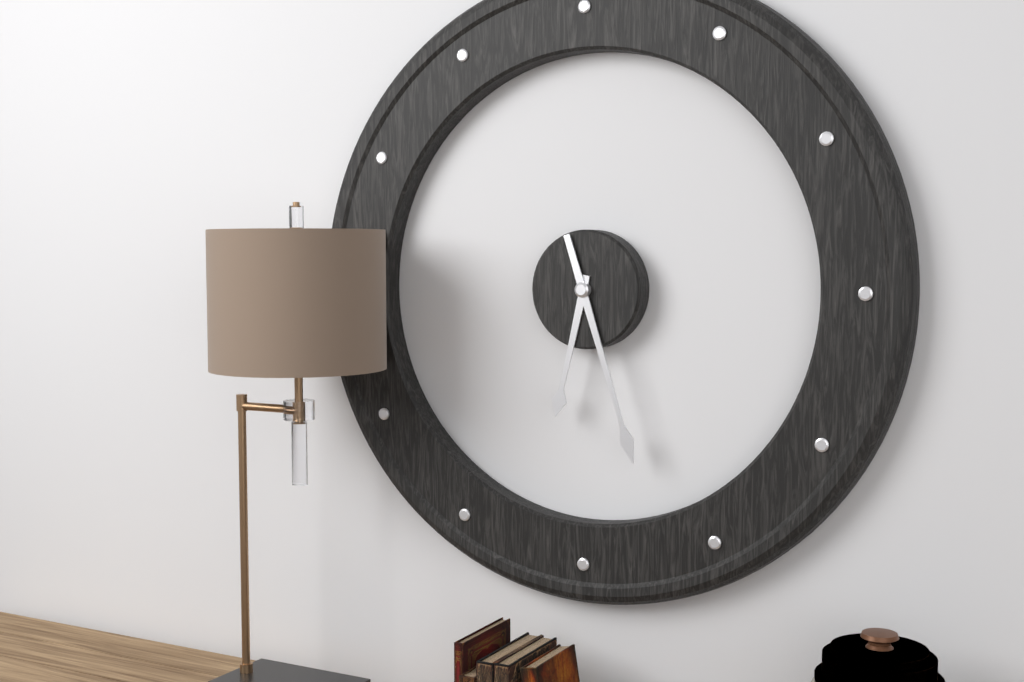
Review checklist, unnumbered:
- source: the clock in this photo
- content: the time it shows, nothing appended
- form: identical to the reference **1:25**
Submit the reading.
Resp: **6:27**
